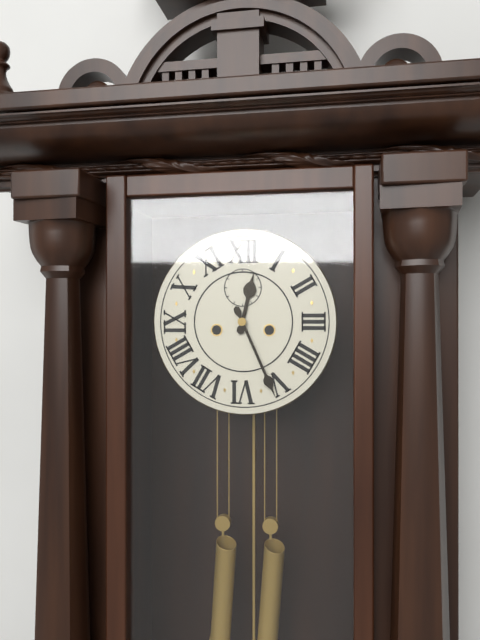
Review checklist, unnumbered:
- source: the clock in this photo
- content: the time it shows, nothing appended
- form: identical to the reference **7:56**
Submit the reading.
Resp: **12:26**
